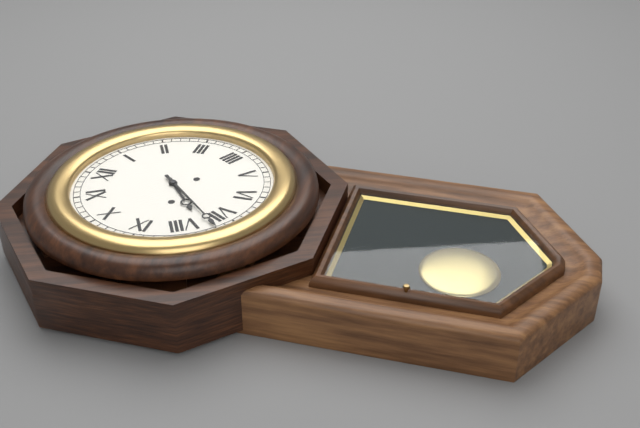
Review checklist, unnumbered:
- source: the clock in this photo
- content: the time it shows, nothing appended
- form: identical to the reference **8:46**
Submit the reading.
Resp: **7:37**
